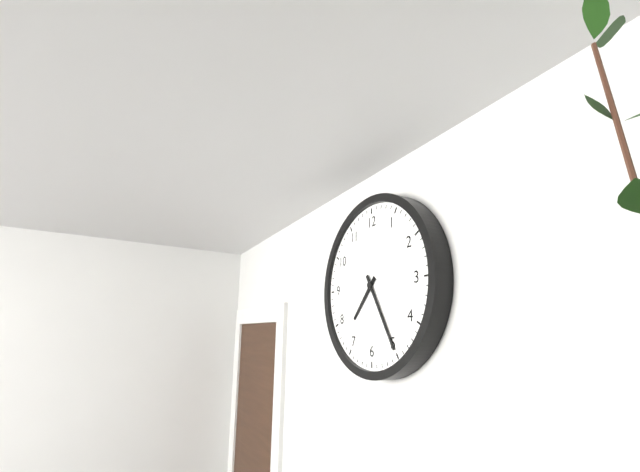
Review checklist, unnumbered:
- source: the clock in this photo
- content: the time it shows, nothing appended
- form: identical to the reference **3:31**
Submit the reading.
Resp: **7:25**
